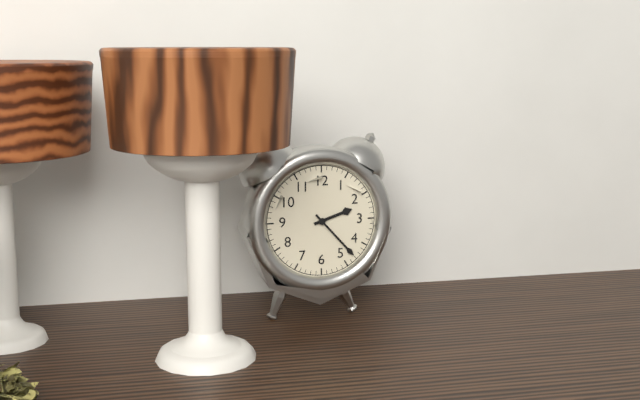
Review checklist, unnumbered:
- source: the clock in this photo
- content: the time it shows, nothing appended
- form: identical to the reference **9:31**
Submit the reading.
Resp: **2:23**
